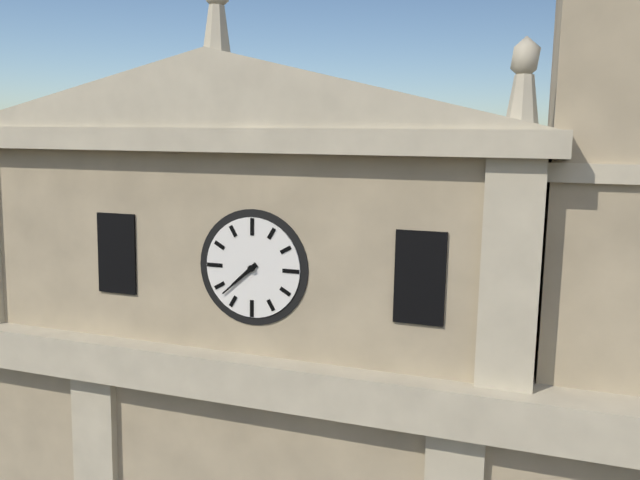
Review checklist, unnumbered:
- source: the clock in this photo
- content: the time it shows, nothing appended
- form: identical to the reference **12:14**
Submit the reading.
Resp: **7:38**
